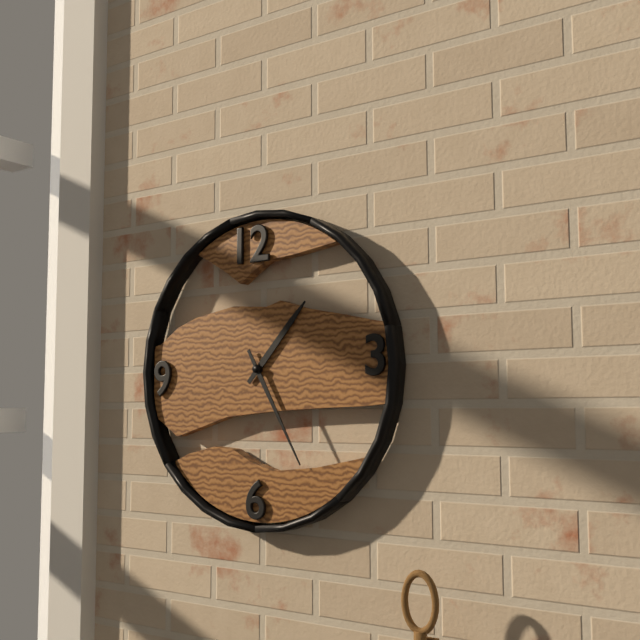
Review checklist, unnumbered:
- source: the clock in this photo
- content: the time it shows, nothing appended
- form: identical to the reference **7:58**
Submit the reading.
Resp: **1:25**
